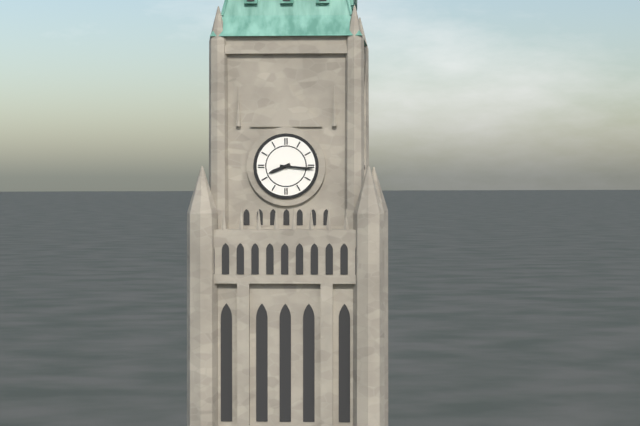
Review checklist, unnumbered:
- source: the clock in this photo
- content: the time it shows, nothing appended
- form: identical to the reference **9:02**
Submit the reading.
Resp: **8:16**
